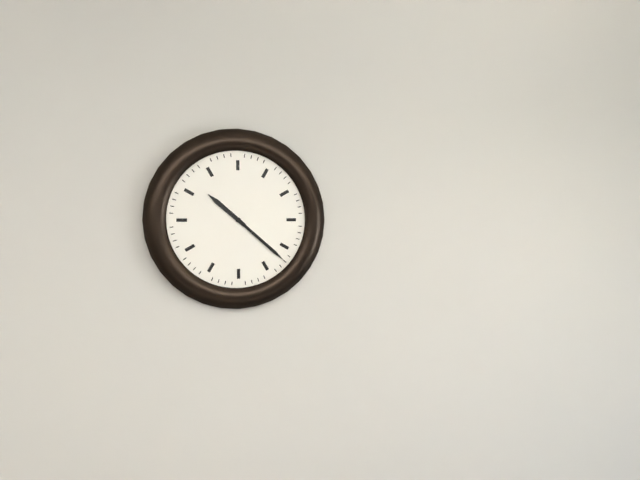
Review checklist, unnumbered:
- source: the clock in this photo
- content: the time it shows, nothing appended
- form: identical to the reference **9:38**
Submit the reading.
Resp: **10:22**
